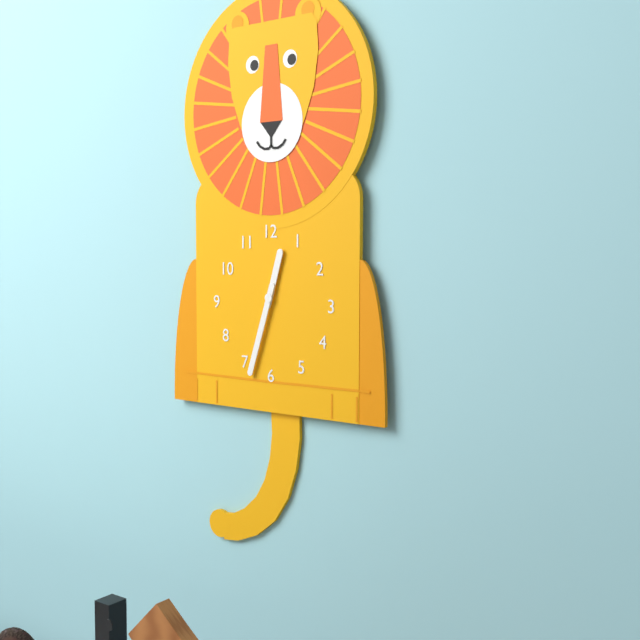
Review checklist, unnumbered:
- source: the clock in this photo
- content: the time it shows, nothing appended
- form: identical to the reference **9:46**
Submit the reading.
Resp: **12:33**
